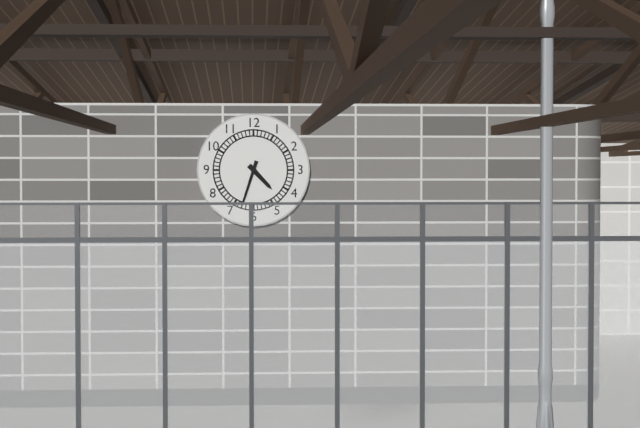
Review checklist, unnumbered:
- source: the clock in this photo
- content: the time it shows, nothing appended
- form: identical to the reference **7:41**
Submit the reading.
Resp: **4:33**
